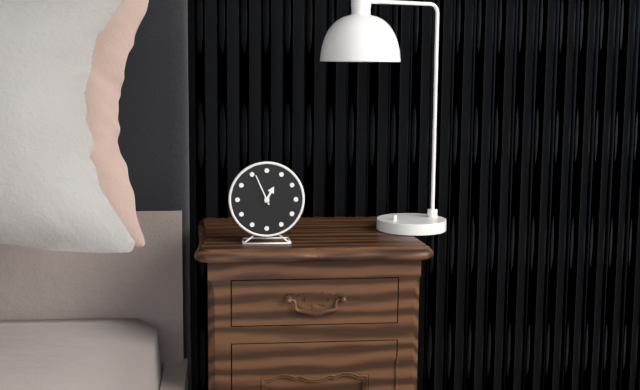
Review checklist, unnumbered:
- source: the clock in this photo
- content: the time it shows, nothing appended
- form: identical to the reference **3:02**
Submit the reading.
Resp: **12:56**
